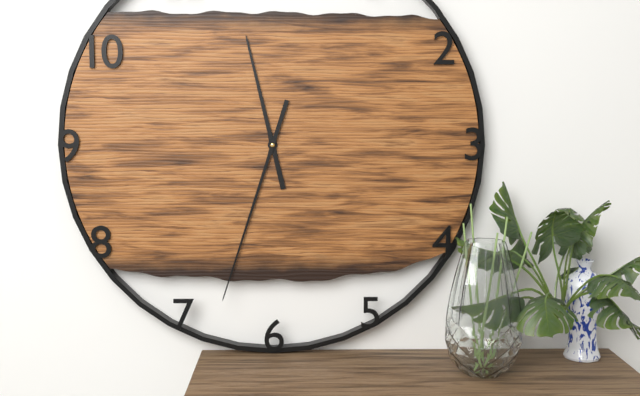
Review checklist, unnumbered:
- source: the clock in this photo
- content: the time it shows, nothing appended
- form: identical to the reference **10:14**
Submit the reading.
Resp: **11:33**
